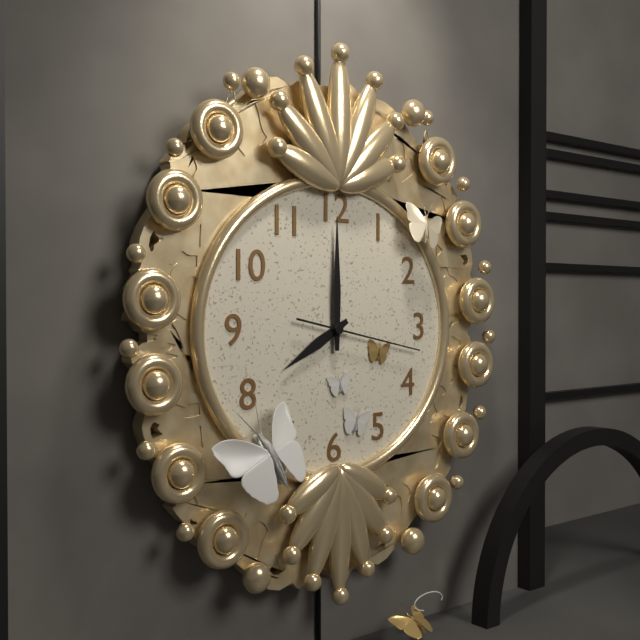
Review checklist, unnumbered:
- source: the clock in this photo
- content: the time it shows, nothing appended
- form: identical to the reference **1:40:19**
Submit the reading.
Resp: **8:00:17**
